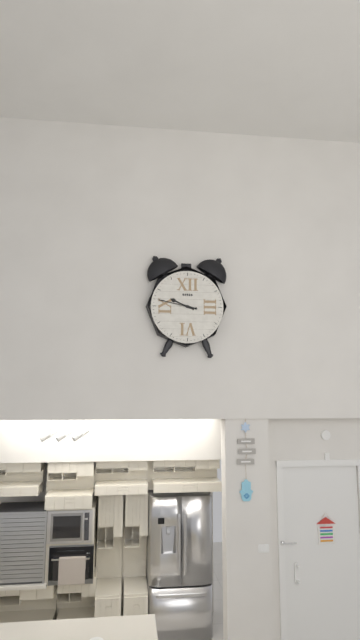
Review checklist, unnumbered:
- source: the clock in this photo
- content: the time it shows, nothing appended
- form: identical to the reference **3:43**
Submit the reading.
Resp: **9:47**
